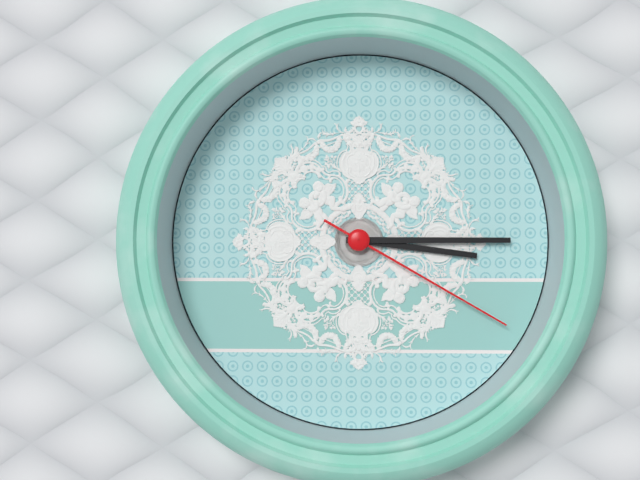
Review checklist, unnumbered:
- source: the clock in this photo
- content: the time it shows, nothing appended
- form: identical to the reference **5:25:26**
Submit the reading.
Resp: **3:15:20**
